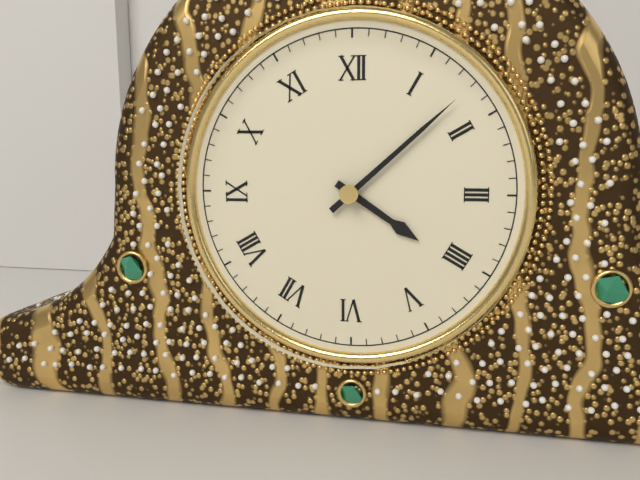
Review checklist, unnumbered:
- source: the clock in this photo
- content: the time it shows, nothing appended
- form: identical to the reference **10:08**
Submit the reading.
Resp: **4:08**
